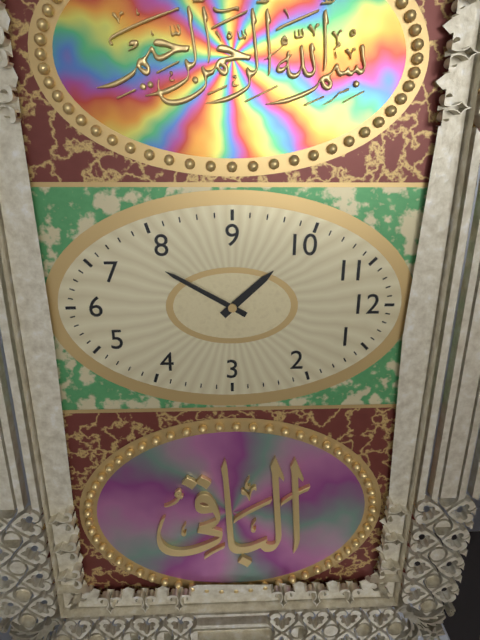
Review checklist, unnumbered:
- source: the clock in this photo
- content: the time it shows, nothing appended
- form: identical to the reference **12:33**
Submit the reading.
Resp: **10:35**
